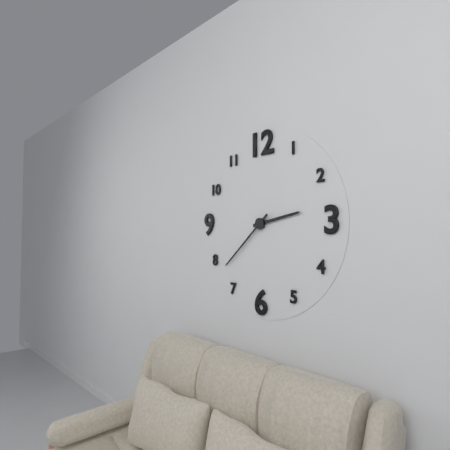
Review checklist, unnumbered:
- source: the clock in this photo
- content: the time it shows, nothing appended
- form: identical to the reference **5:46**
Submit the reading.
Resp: **2:38**
